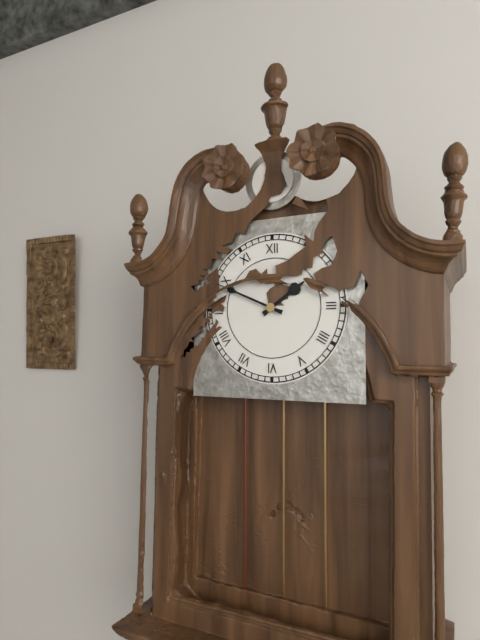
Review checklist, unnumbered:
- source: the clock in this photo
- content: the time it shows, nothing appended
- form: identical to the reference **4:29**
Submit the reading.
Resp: **1:49**
